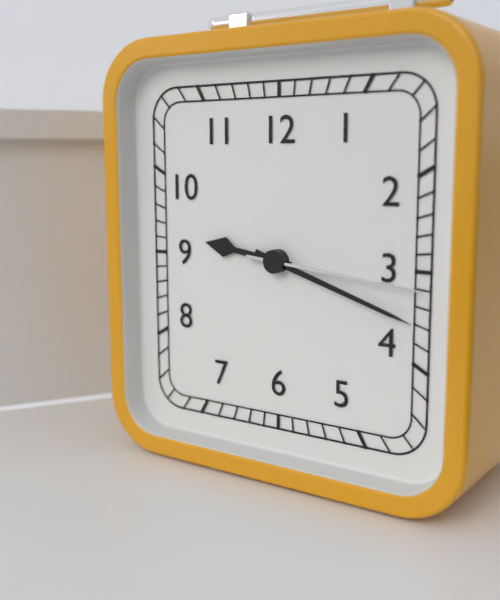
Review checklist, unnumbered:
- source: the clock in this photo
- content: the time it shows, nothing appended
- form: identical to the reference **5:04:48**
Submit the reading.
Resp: **9:18:16**
